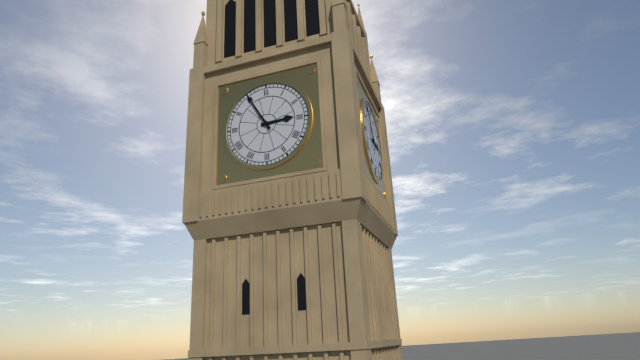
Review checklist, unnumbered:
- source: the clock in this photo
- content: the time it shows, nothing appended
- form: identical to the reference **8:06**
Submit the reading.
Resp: **2:55**
